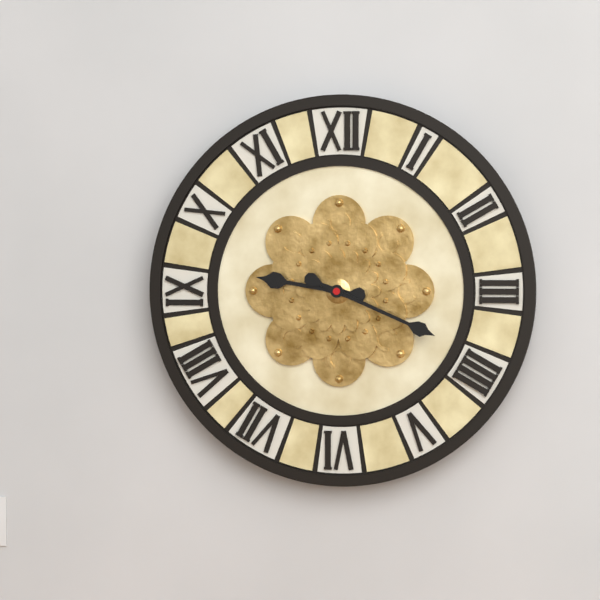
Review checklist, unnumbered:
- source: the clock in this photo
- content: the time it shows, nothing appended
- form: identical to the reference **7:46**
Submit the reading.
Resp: **9:19**
